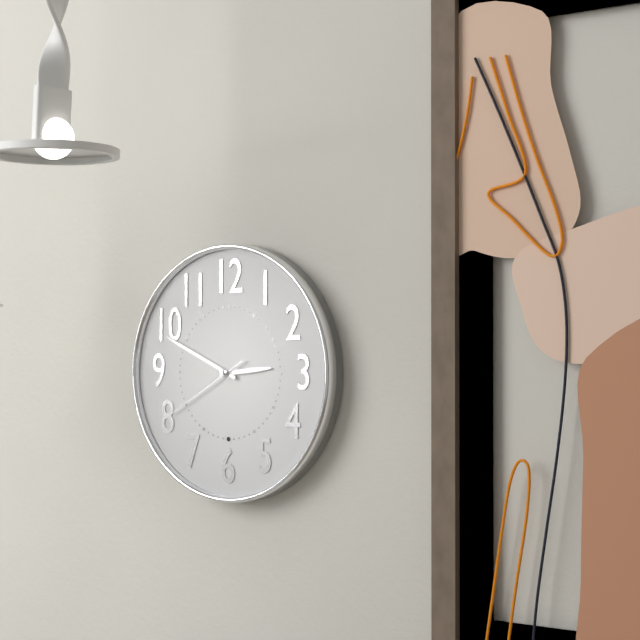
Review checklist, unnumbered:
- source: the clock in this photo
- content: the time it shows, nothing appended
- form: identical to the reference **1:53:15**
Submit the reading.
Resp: **2:49:40**
